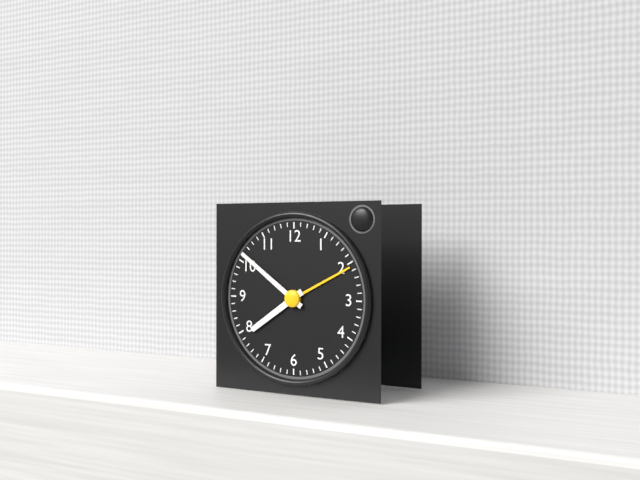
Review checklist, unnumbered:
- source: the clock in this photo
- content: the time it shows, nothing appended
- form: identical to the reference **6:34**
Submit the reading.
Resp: **7:51**
